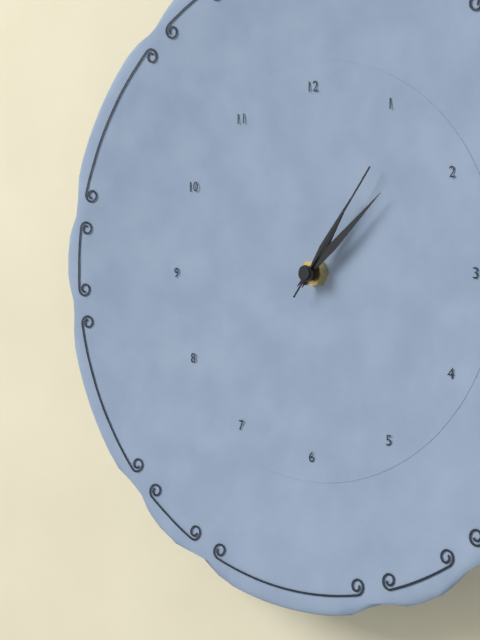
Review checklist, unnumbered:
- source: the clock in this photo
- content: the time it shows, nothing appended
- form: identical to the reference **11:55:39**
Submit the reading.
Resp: **1:08:06**
